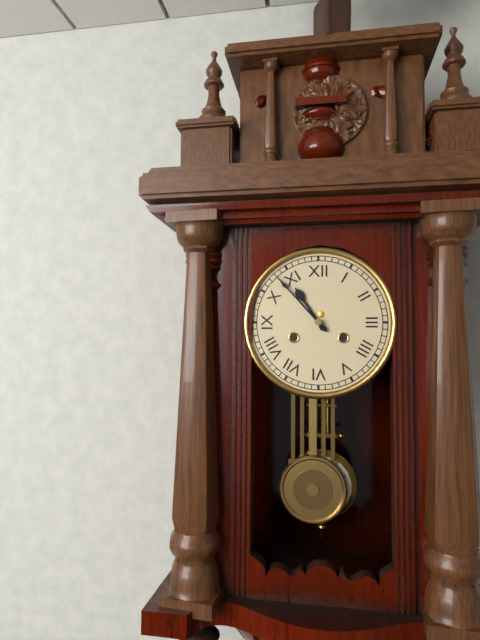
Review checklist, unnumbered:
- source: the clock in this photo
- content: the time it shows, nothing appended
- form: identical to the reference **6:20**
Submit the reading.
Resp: **10:53**
